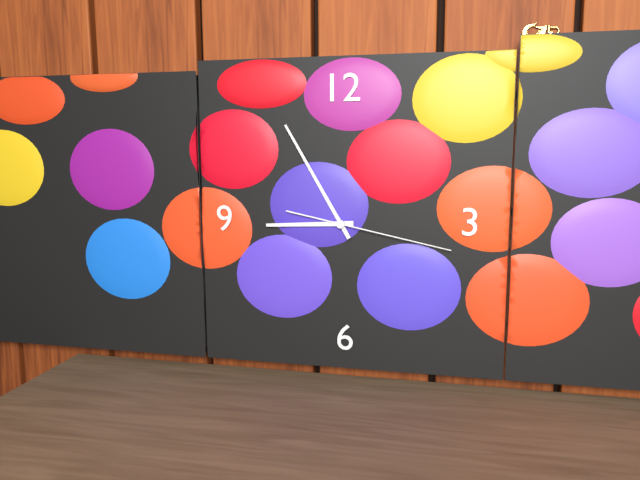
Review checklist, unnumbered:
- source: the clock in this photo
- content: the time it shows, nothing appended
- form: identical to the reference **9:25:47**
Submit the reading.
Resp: **8:55:17**
